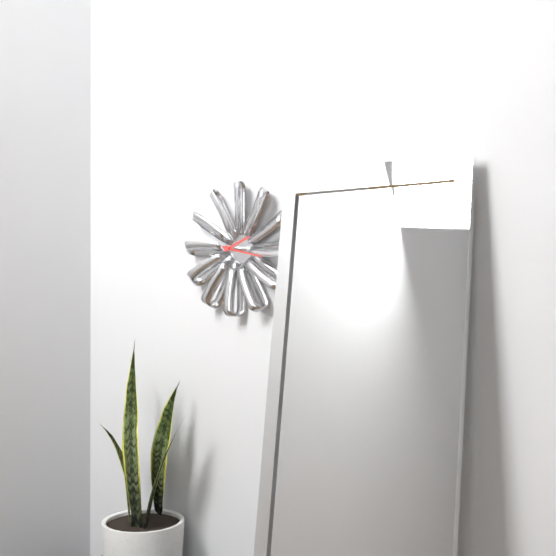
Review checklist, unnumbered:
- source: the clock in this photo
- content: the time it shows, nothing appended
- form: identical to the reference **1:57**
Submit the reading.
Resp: **2:17**
